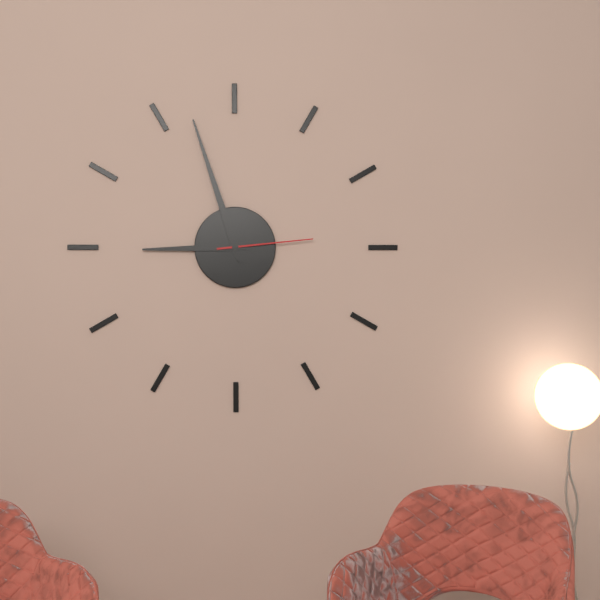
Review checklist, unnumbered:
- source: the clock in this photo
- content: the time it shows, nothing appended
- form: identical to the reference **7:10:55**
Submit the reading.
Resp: **8:57:14**
